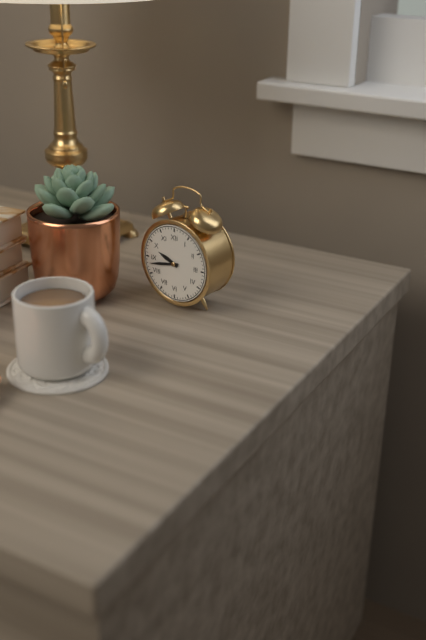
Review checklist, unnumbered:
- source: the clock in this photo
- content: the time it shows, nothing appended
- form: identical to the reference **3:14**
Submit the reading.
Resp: **9:43**
